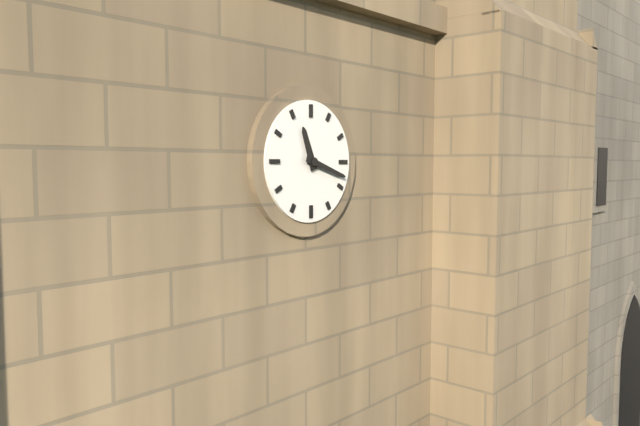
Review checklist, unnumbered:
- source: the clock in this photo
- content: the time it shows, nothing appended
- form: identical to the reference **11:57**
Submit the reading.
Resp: **11:18**
